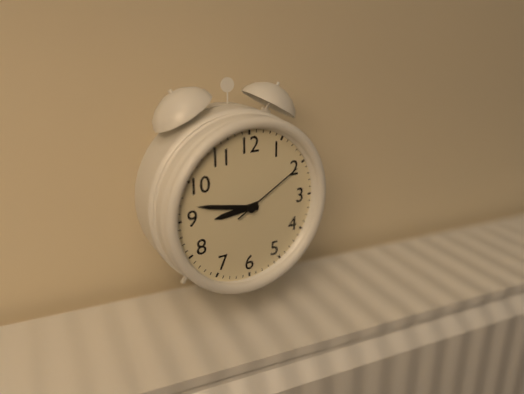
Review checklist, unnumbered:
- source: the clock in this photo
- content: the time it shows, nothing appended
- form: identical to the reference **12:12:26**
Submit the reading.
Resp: **8:47:10**
